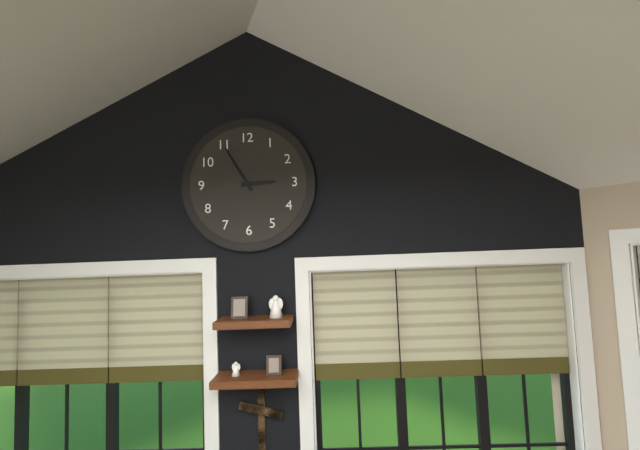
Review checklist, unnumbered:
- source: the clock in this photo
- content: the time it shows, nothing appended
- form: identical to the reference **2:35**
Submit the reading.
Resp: **2:55**
